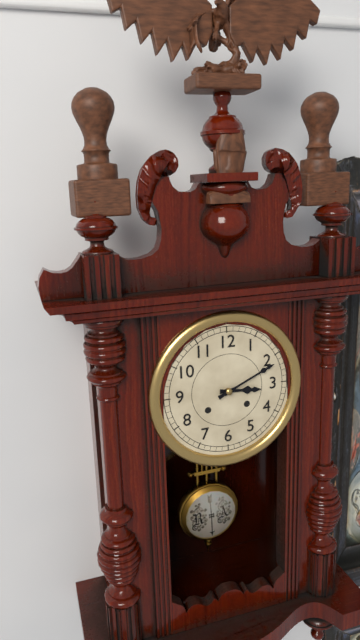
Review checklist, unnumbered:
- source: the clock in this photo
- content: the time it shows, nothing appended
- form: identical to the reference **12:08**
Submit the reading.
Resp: **3:11**
